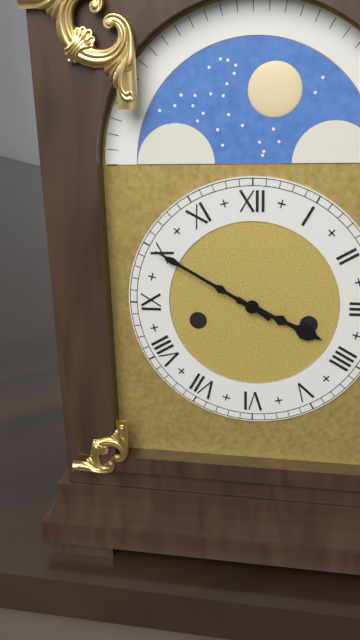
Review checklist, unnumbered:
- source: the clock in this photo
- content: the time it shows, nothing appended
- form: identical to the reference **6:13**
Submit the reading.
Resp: **3:50**
